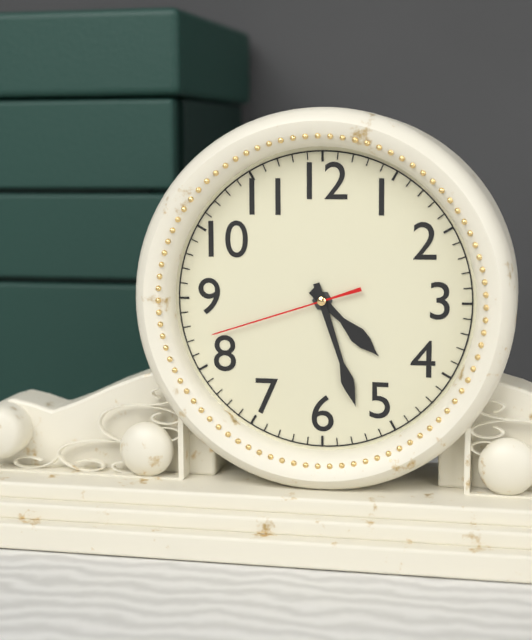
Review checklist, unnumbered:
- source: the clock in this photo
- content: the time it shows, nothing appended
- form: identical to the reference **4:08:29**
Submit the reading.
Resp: **4:27:42**
